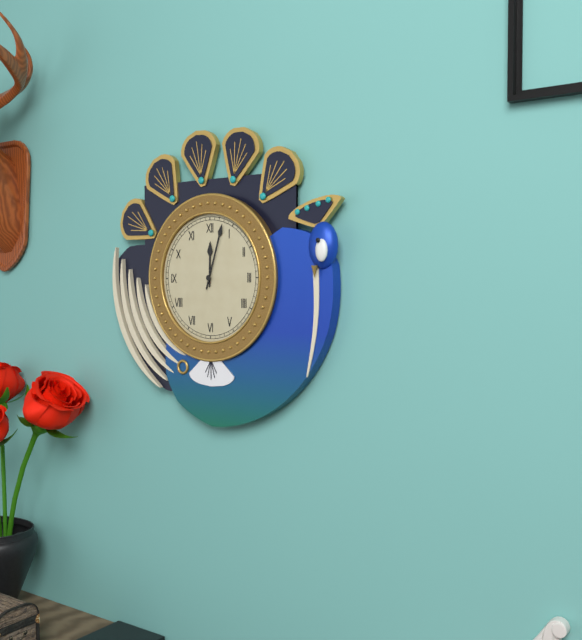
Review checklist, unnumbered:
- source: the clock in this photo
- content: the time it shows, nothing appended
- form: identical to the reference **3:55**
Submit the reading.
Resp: **12:03**
